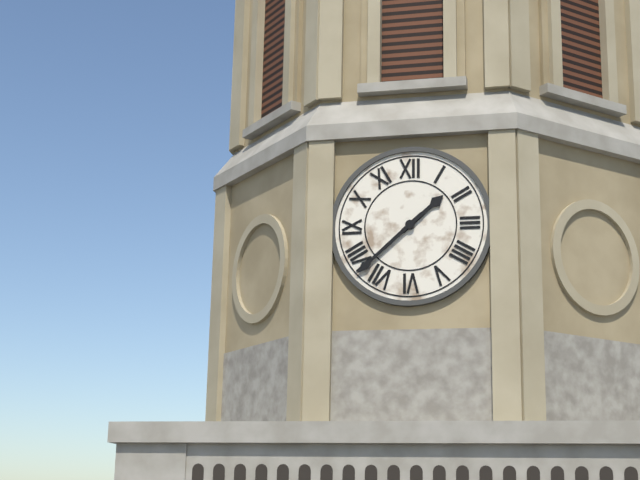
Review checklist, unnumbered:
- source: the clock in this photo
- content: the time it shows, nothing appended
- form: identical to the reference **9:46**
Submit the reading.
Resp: **1:38**
